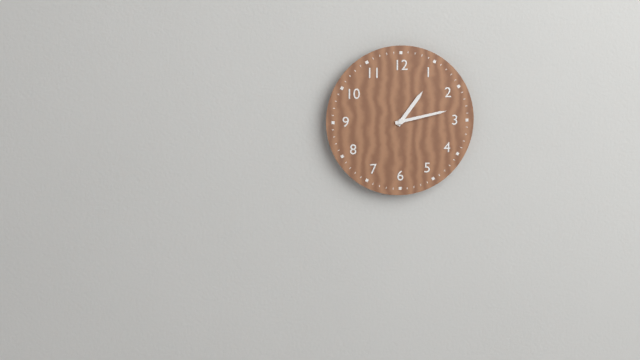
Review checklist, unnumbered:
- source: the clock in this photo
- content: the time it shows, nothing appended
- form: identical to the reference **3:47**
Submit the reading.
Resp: **1:13**
